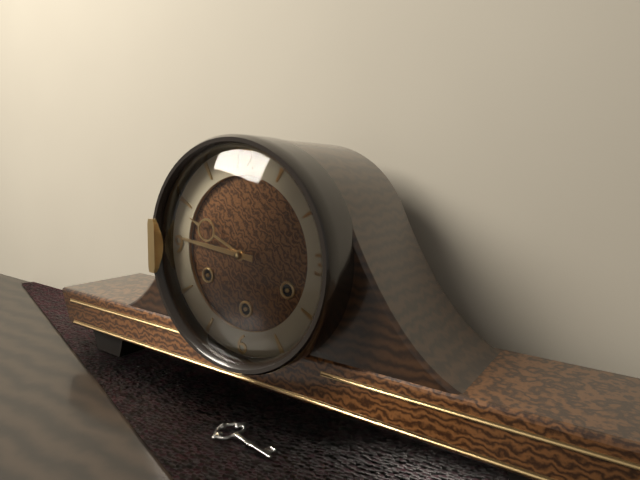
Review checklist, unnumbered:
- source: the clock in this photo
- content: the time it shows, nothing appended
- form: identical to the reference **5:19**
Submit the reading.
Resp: **9:46**
